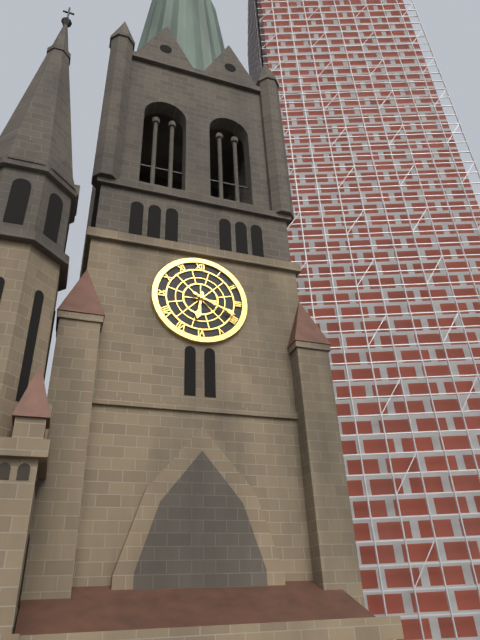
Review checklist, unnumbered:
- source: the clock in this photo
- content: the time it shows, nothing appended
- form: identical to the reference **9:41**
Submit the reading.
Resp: **6:19**
